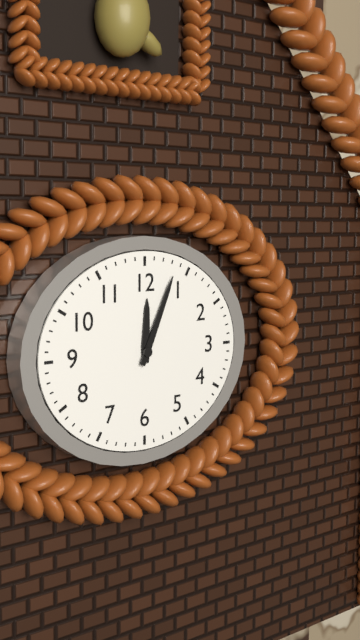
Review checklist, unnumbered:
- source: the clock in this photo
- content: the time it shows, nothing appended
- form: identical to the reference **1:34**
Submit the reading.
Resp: **12:04**
